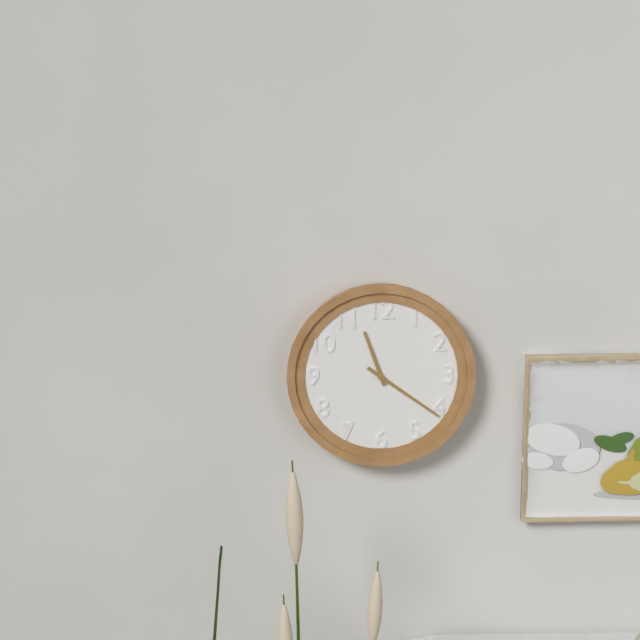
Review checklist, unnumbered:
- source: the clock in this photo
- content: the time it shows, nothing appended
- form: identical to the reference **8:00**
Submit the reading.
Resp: **11:21**
